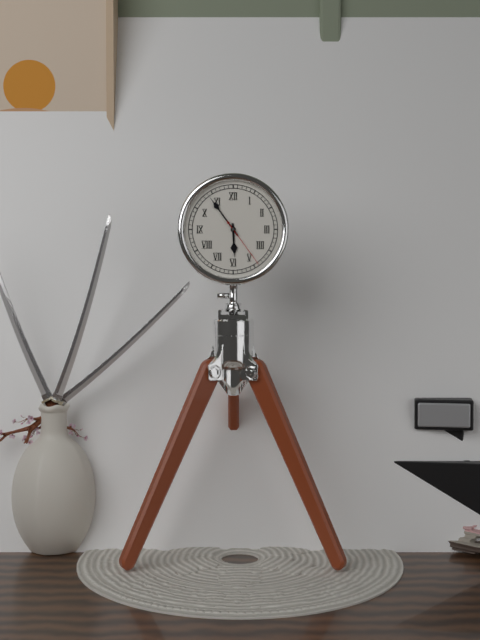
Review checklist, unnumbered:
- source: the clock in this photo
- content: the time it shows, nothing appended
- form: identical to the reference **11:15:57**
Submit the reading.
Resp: **5:54:24**
